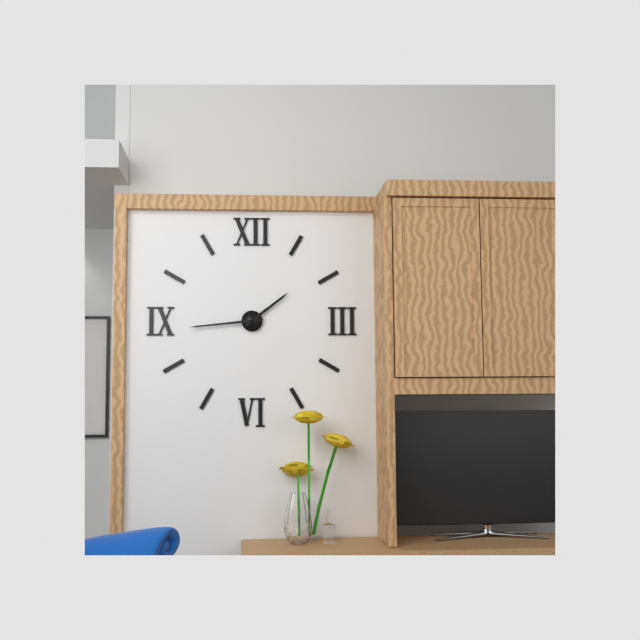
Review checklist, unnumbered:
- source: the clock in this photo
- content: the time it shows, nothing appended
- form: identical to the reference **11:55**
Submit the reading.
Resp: **1:44**
